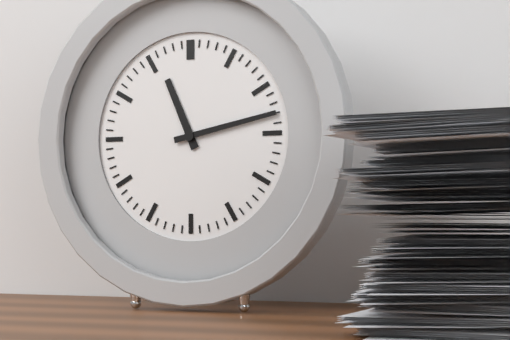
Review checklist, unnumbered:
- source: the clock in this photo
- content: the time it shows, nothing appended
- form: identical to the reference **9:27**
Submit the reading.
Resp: **11:13**
